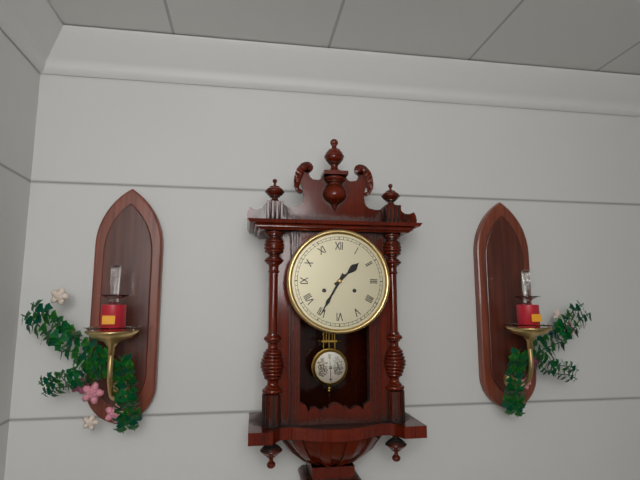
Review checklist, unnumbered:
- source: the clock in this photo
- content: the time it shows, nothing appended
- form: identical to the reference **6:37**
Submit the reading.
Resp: **1:35**
